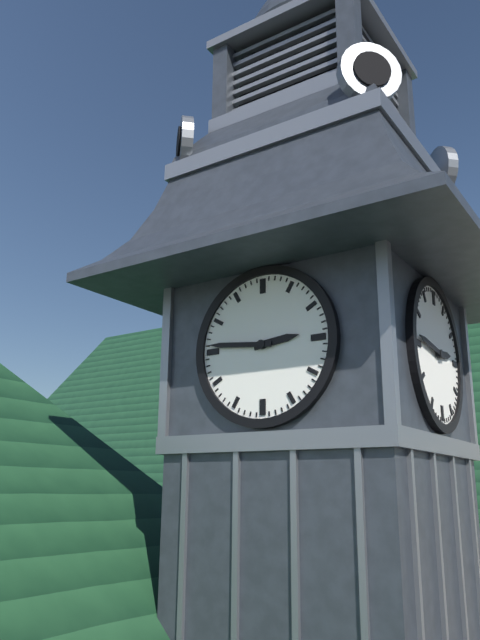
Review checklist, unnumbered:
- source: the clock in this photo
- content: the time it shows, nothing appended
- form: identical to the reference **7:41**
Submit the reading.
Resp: **2:46**
